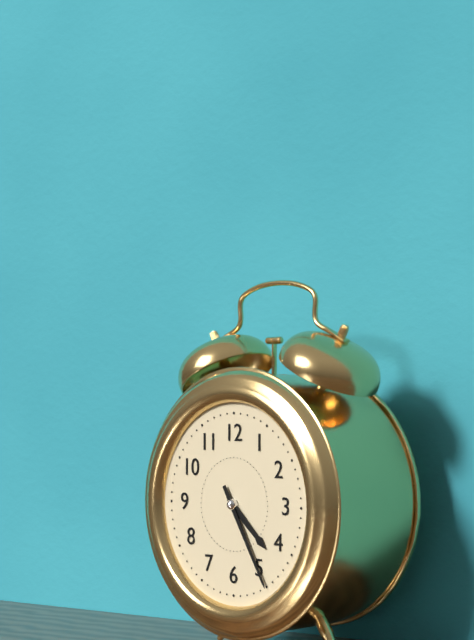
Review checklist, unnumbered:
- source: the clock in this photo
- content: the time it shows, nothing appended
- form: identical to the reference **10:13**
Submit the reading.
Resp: **4:25**
